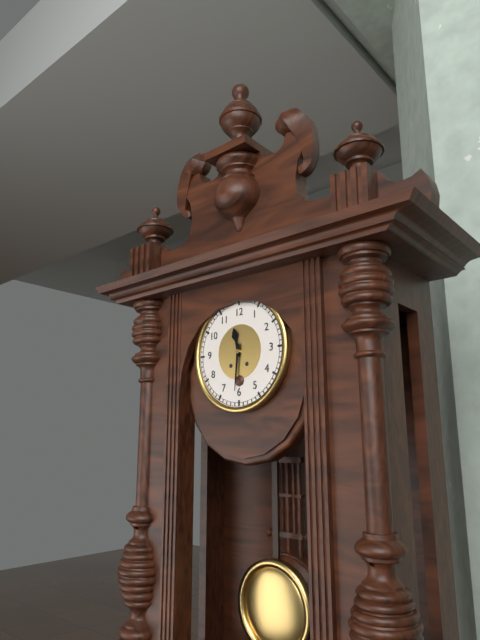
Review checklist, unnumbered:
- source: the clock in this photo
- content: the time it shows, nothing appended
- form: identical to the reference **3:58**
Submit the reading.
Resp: **11:31**
